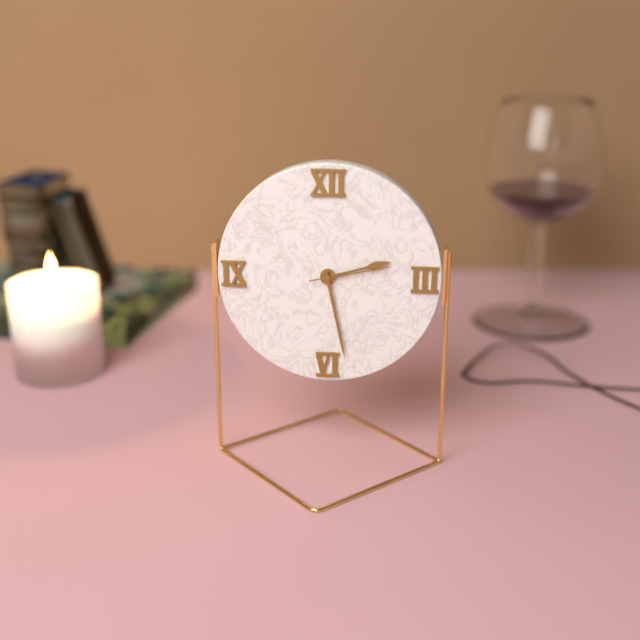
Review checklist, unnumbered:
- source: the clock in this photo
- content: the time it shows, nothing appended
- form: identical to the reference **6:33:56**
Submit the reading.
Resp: **2:28:13**
